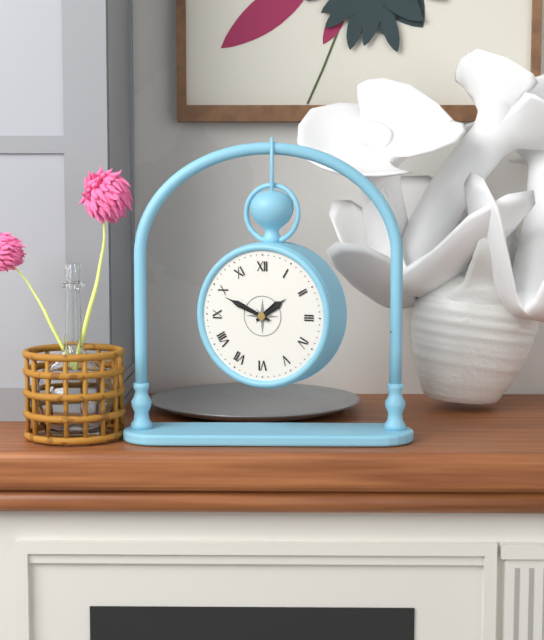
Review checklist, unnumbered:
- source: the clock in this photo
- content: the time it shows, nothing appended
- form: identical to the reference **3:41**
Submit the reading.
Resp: **1:49**
